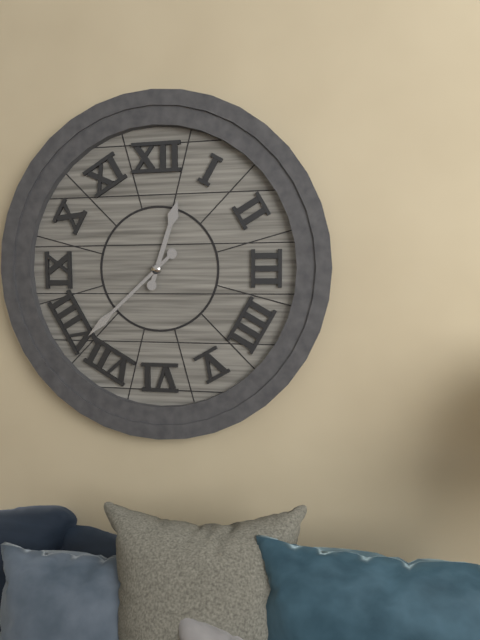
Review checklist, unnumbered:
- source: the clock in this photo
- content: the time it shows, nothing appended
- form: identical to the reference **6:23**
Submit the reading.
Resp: **12:38**
